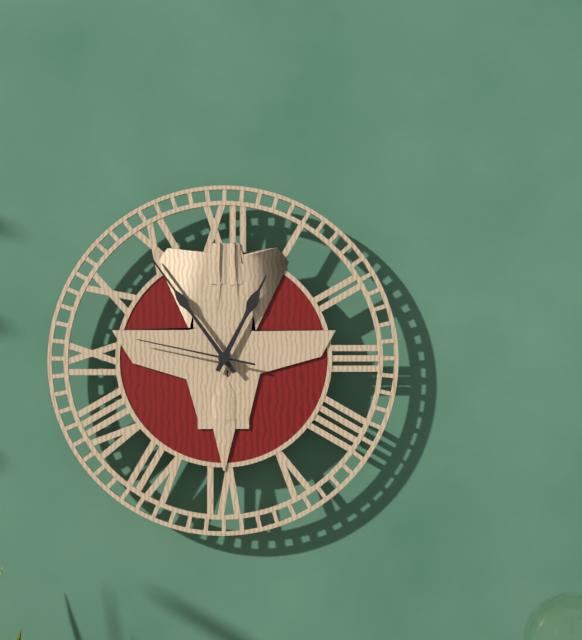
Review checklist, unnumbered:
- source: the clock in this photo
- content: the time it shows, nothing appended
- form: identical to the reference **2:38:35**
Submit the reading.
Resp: **12:54:47**
